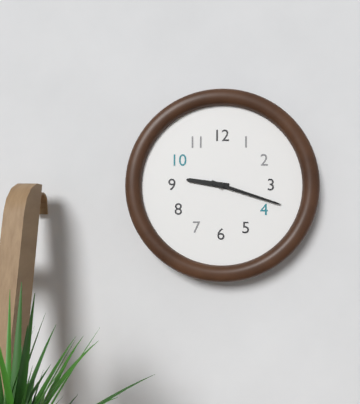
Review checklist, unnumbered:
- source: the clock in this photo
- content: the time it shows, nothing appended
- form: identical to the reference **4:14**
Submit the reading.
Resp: **9:18**
